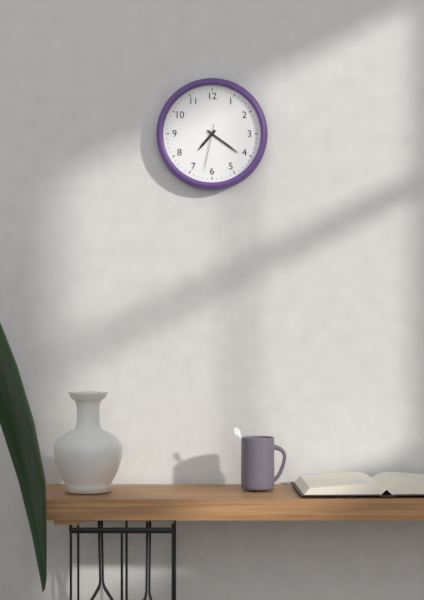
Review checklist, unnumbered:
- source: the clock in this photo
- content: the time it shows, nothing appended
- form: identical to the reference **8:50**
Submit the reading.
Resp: **7:21**
